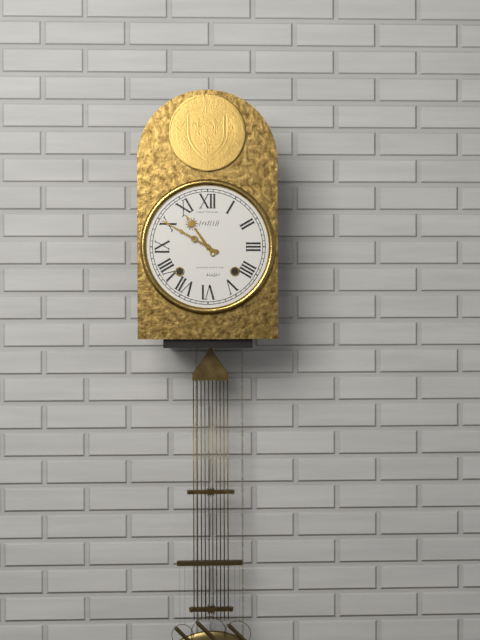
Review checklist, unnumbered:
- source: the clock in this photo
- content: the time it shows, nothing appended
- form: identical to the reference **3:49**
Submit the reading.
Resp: **10:50**
